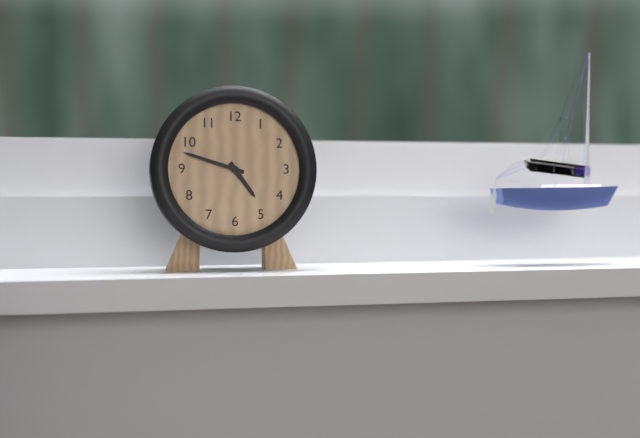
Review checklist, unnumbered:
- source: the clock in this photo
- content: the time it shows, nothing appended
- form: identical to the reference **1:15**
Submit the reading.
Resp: **4:48**
